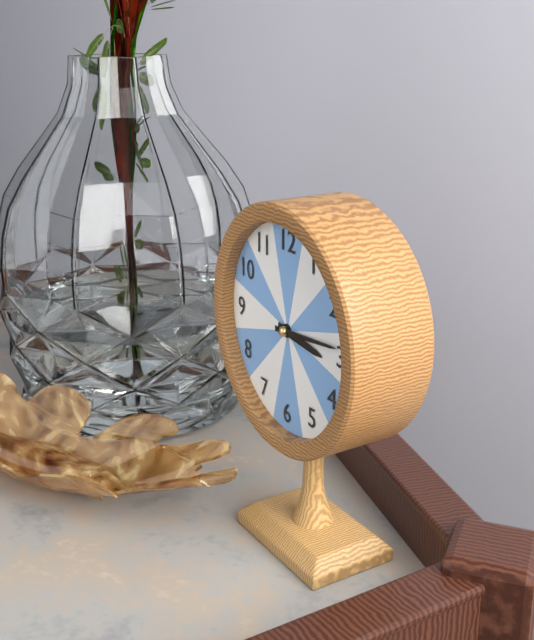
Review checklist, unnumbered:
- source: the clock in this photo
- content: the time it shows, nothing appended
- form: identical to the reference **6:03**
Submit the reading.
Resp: **3:14**
